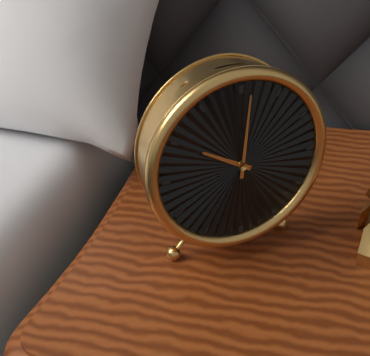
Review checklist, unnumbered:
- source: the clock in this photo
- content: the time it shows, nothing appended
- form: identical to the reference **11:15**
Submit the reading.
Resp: **10:01**
